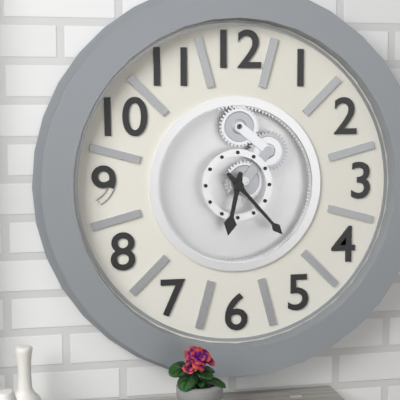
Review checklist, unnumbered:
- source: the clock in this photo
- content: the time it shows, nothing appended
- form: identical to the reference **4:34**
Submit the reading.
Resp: **6:23**
